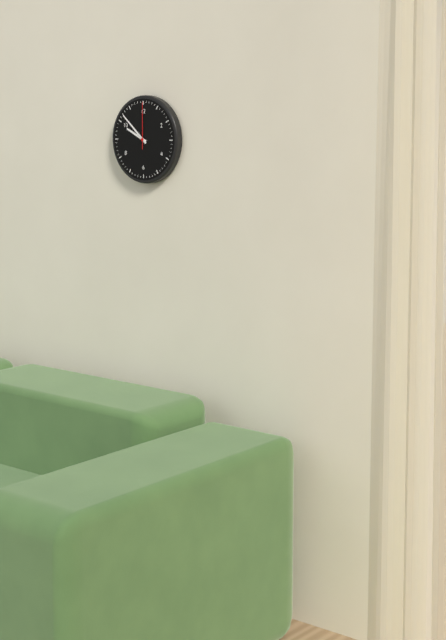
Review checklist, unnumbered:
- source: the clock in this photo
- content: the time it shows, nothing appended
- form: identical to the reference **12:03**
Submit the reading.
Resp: **9:52**
